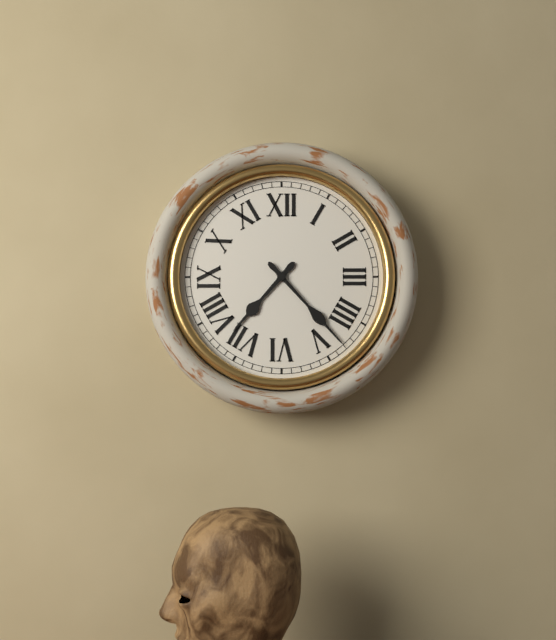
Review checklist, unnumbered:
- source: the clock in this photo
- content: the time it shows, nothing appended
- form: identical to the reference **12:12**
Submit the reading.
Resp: **7:23**
